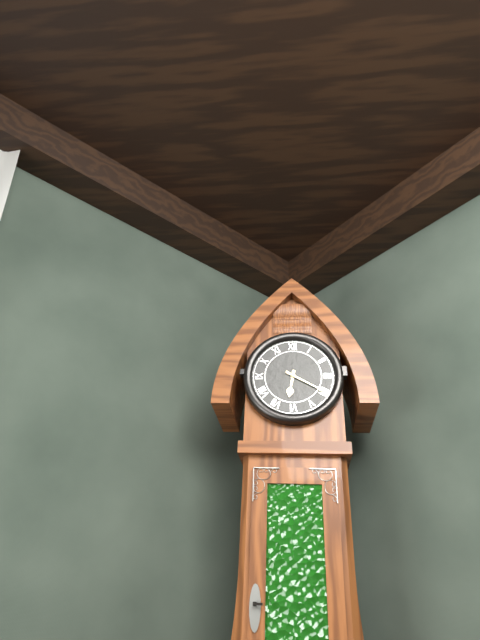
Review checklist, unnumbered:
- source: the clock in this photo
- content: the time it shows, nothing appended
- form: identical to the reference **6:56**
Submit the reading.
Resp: **6:20**
